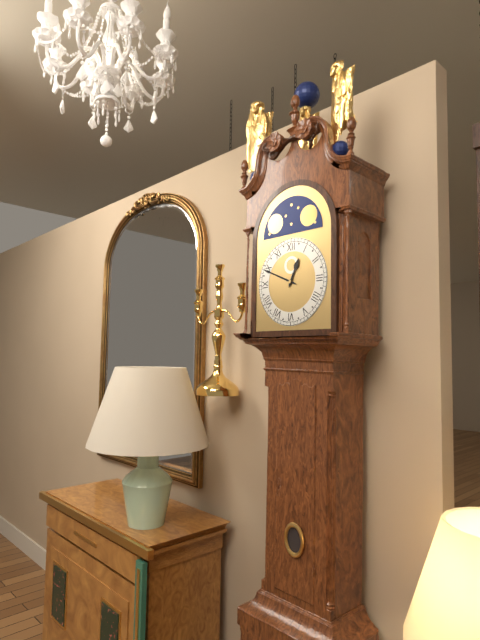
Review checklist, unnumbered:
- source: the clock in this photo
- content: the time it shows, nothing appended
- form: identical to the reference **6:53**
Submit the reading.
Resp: **12:49**
